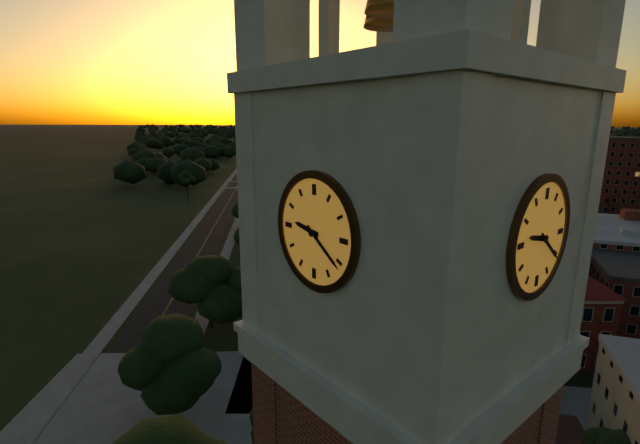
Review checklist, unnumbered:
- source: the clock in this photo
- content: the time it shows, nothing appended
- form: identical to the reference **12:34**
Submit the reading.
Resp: **9:21**
